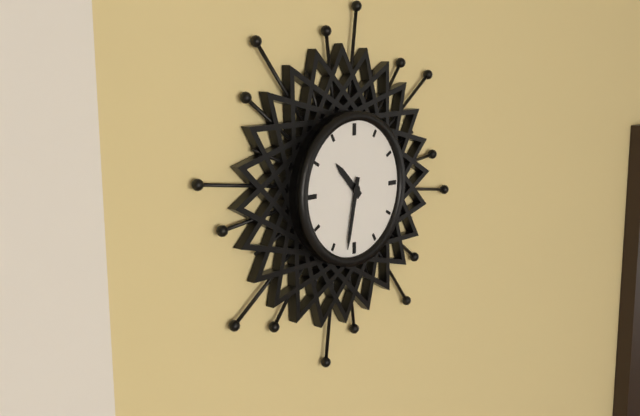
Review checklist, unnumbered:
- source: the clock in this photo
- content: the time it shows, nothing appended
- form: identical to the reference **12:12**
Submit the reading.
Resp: **10:32**
